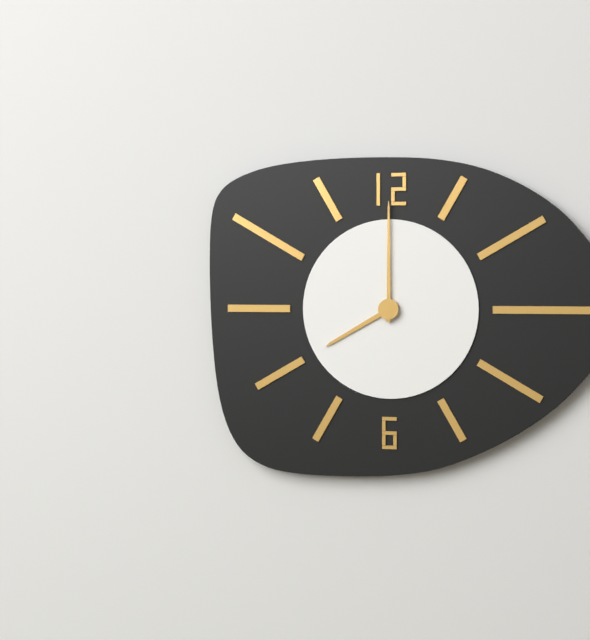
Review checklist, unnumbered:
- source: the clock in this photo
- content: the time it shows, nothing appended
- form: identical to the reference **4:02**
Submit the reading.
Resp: **8:00**
